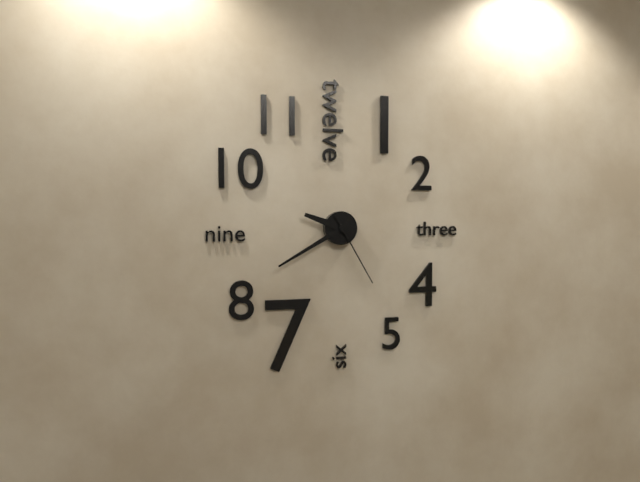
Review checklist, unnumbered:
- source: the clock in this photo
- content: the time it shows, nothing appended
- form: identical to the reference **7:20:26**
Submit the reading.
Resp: **9:40:25**
